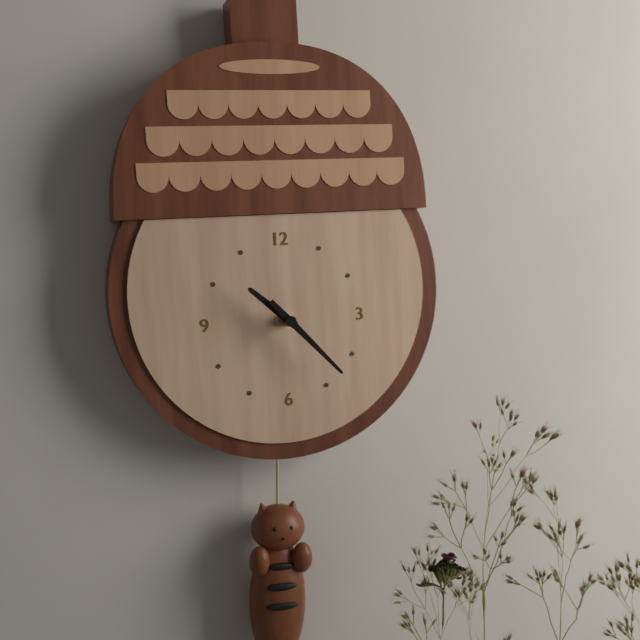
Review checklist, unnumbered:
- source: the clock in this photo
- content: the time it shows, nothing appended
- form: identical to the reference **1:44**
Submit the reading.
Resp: **10:23**
